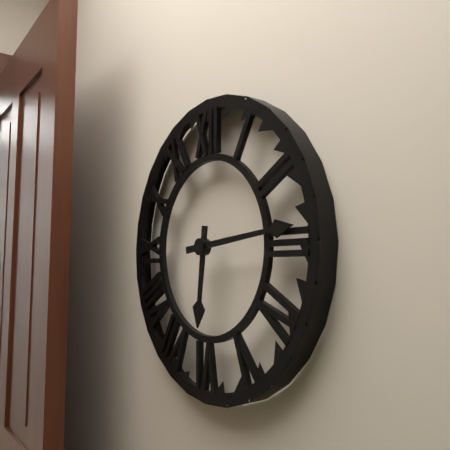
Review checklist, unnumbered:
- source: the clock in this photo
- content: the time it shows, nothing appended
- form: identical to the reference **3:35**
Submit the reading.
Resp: **6:14**
